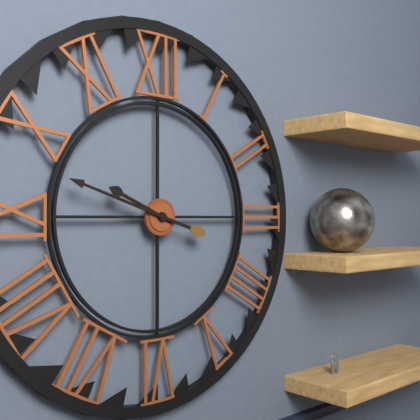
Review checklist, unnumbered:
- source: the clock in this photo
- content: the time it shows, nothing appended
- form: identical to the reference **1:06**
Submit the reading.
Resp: **9:48**
